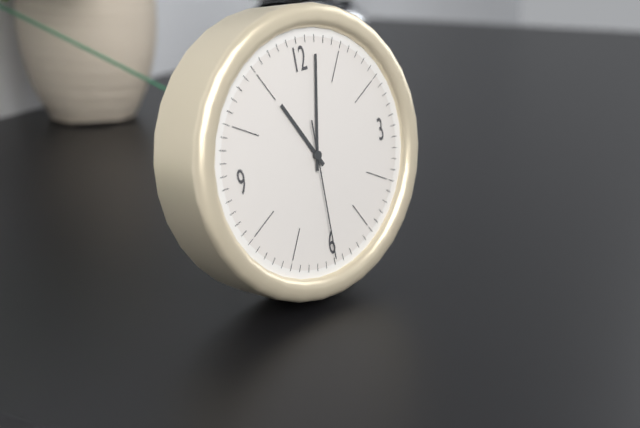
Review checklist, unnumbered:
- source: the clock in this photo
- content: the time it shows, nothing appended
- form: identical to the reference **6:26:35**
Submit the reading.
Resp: **11:02:30**
